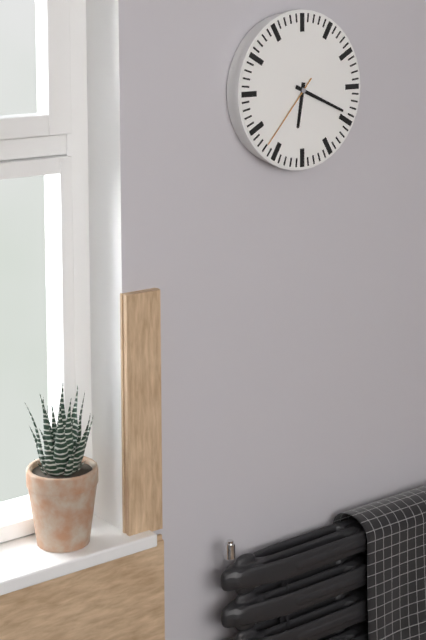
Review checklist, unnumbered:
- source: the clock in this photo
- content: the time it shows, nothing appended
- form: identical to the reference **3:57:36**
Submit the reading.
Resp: **6:19:37**
